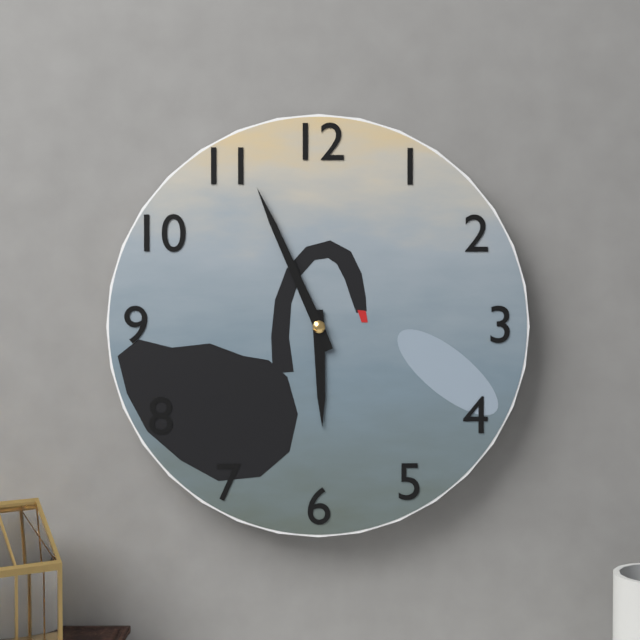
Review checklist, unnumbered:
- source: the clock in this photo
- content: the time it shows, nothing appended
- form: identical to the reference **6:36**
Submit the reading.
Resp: **5:56**
